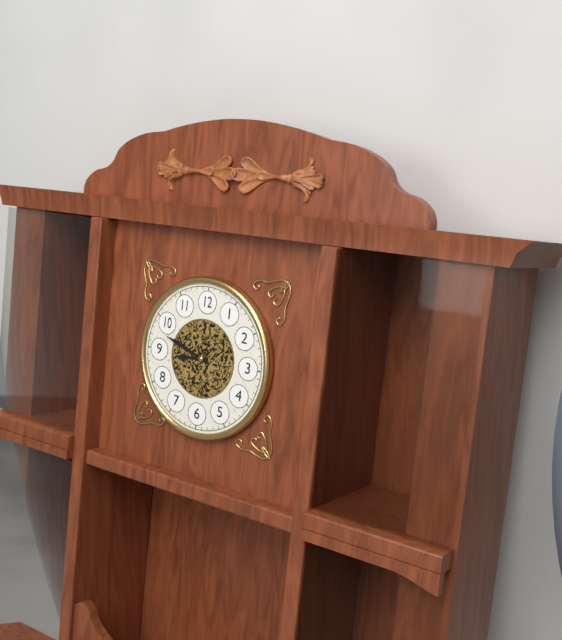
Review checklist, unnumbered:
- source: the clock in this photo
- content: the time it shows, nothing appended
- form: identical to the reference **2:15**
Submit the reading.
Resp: **8:48**
